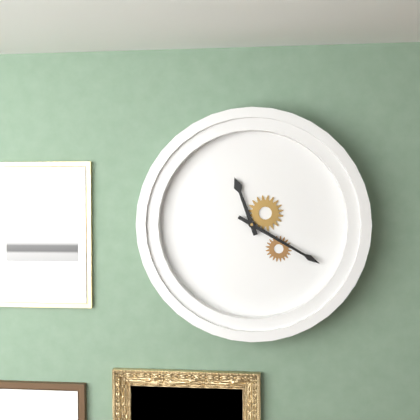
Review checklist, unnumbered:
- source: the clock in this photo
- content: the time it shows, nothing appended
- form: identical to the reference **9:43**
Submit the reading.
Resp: **11:20**
